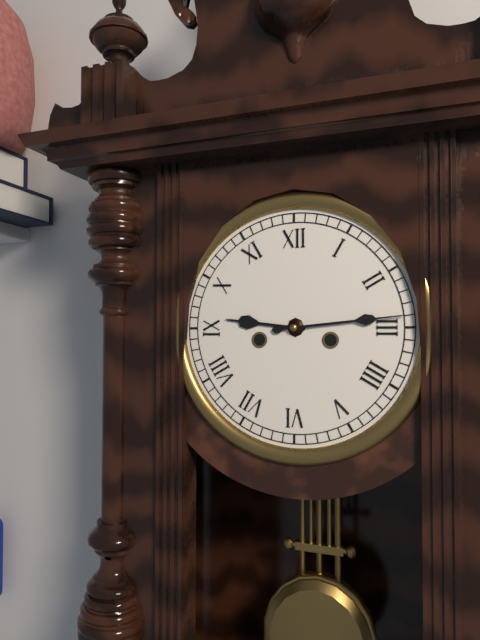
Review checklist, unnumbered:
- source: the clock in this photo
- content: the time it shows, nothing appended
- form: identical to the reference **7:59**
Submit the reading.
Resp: **9:14**
